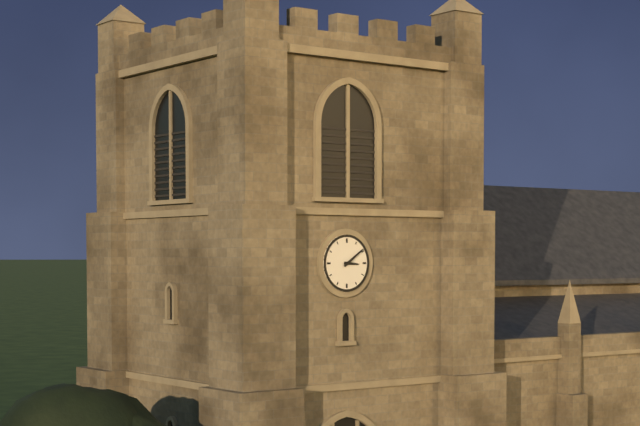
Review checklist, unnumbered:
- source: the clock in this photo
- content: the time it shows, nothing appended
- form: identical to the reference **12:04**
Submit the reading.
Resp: **3:09**
